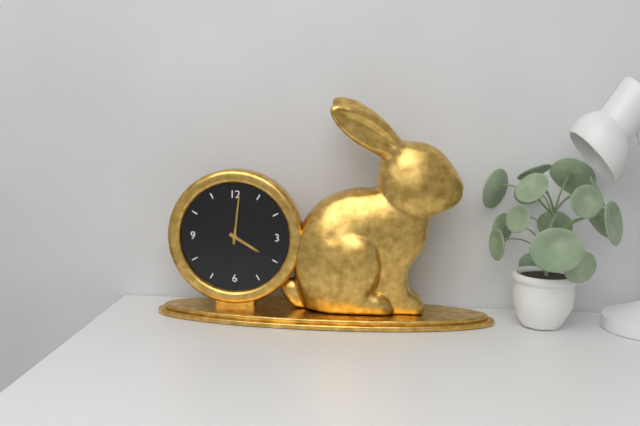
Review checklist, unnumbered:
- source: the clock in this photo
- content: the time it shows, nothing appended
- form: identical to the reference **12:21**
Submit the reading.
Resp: **4:01**
